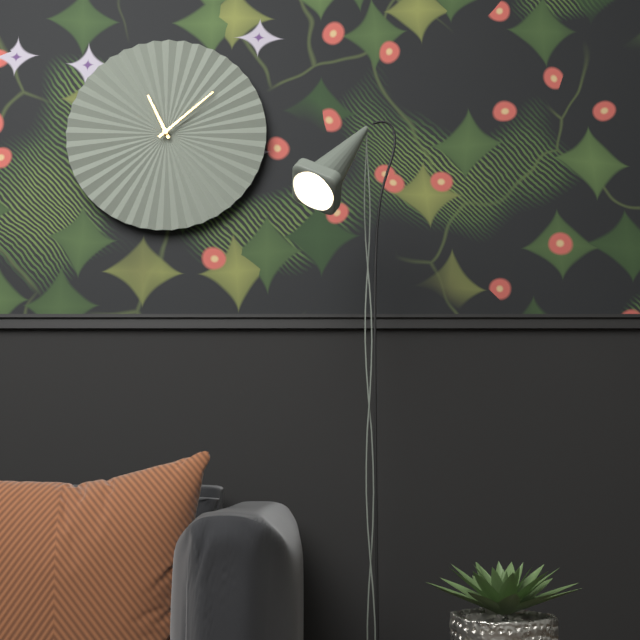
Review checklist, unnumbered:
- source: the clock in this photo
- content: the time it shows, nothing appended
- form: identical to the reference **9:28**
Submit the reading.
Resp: **11:08**
